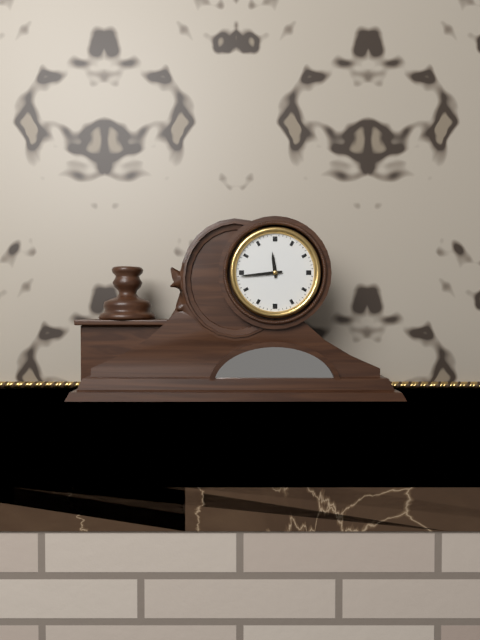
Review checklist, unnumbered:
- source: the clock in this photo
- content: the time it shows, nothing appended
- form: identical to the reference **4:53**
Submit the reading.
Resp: **11:44**
